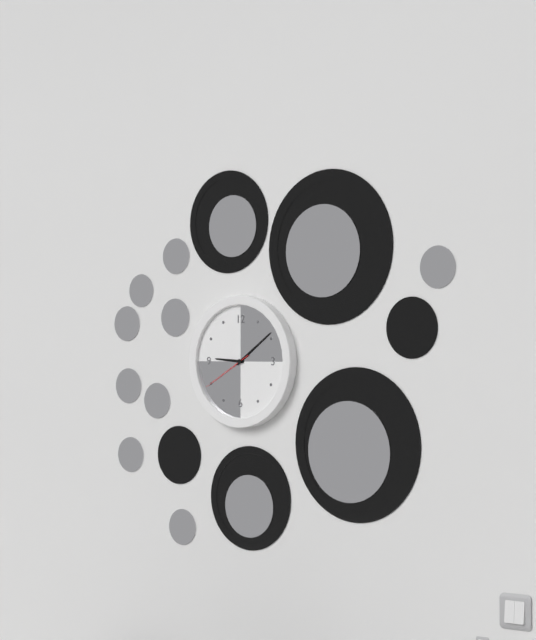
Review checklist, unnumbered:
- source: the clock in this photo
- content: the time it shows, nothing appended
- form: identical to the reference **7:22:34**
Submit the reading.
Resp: **9:09:40**
